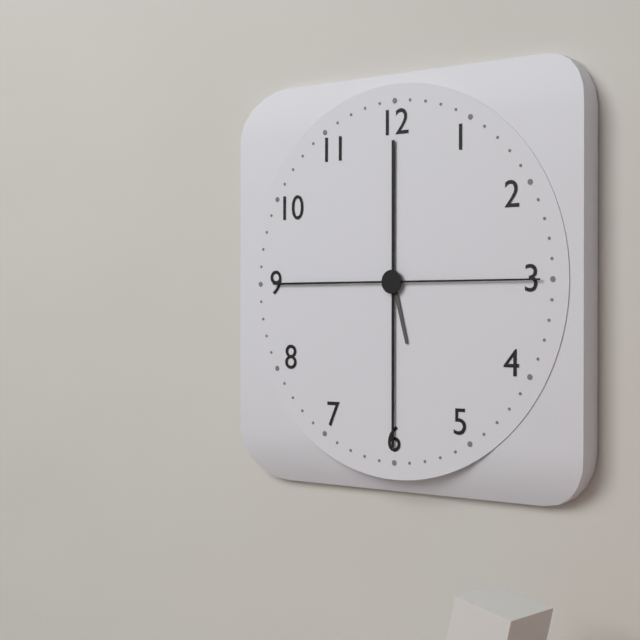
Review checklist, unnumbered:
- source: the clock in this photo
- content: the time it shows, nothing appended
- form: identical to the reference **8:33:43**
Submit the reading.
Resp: **5:30:15**
